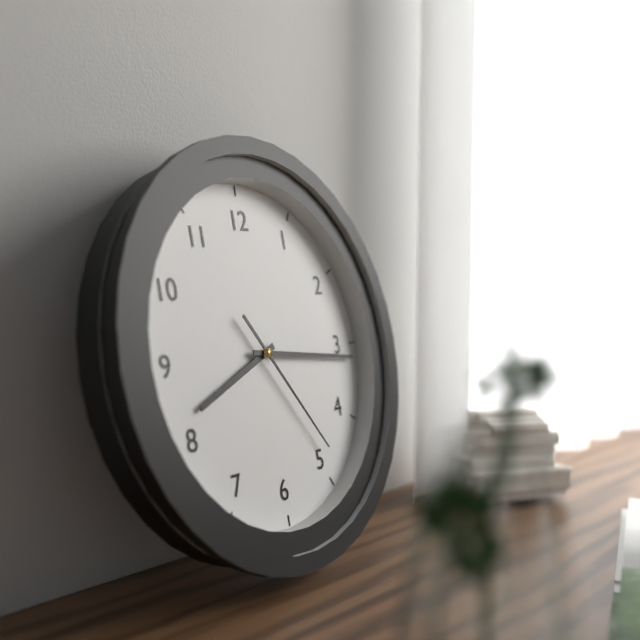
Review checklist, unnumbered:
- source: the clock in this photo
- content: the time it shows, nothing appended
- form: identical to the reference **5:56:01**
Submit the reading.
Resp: **8:16:24**
